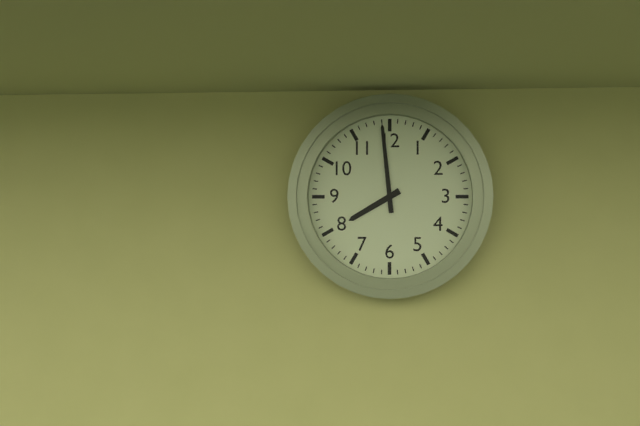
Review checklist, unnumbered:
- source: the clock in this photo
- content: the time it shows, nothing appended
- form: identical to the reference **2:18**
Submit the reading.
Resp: **7:59**
